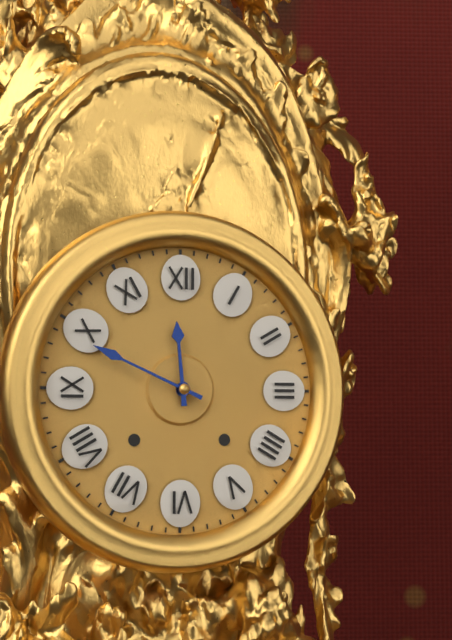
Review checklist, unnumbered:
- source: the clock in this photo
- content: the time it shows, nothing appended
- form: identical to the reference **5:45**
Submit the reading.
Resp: **11:49**
